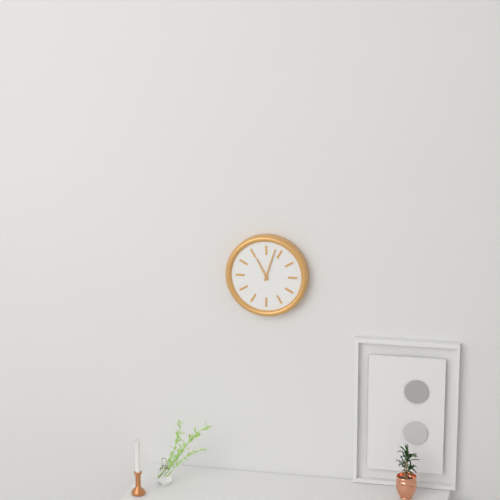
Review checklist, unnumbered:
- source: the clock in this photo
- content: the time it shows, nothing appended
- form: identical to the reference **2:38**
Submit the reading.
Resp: **11:03**
